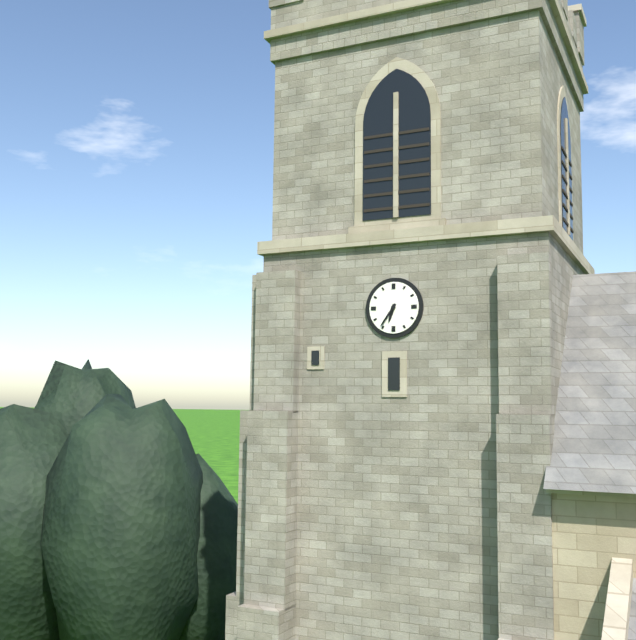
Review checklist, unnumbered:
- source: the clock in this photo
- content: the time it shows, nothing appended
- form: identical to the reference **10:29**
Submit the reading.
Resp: **6:36**
